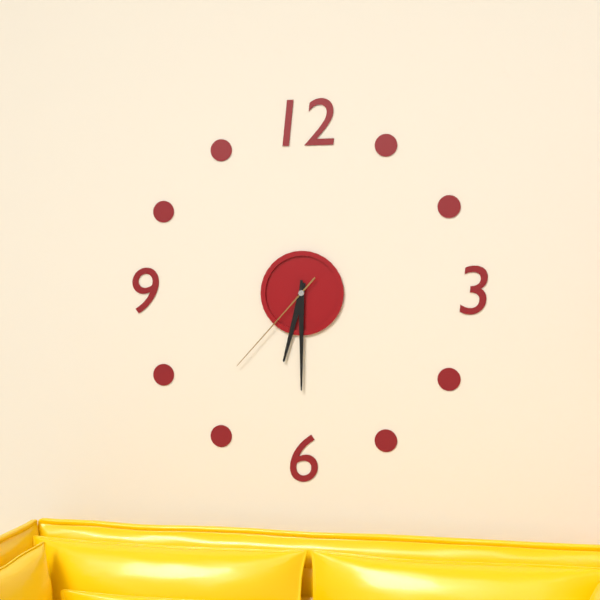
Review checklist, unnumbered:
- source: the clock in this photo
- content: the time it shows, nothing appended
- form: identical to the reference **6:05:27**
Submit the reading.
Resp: **6:30:37**
